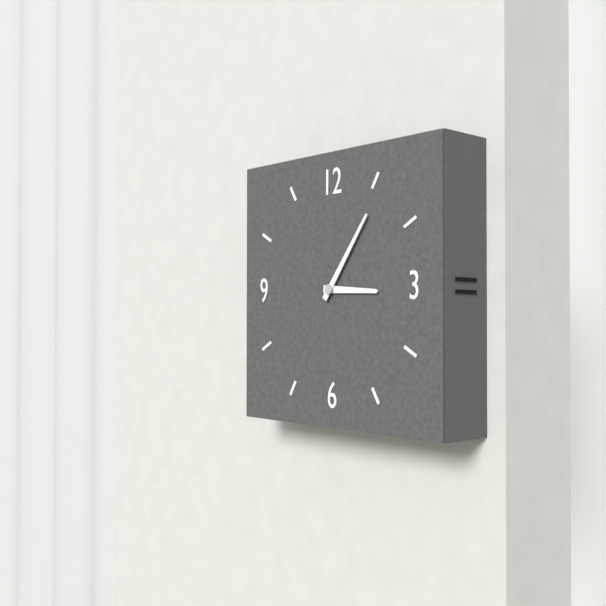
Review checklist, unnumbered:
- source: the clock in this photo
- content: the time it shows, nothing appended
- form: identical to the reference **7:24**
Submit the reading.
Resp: **3:06**
